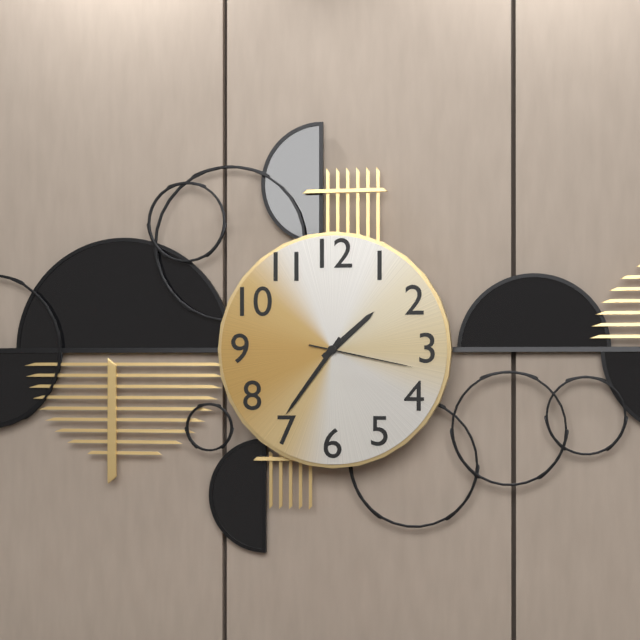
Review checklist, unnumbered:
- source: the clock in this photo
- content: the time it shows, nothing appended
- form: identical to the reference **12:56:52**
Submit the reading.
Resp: **1:36:17**
